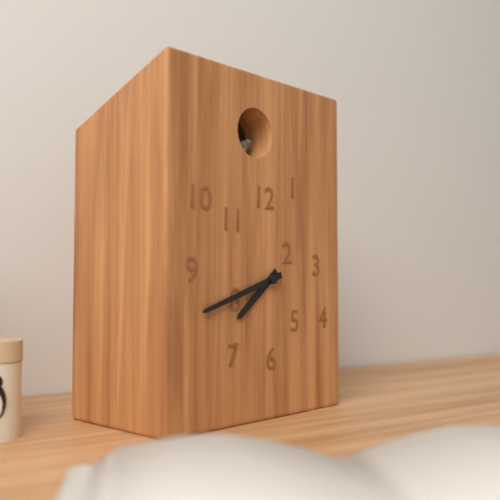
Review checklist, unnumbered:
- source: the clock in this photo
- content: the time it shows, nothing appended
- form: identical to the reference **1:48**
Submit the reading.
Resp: **7:42**
